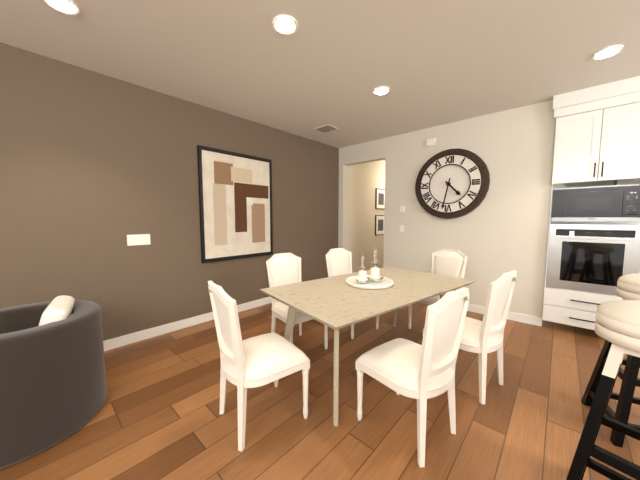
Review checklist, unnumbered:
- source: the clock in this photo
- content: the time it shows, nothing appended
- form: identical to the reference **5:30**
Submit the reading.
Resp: **4:32**
